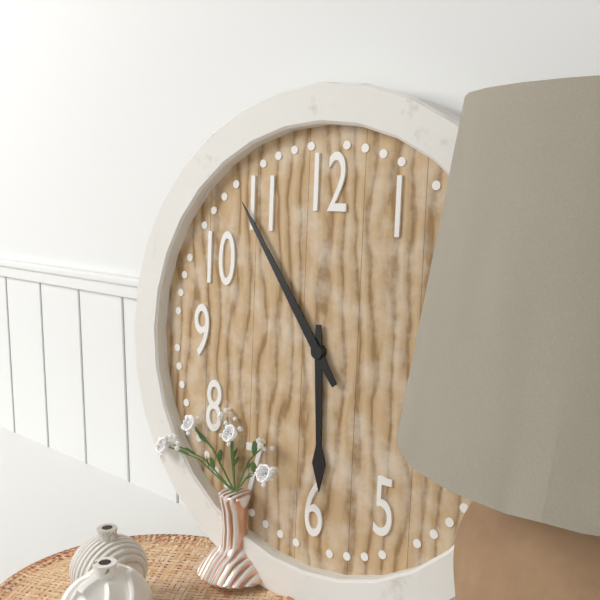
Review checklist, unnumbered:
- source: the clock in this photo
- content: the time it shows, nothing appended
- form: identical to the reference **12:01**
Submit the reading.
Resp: **5:54**
